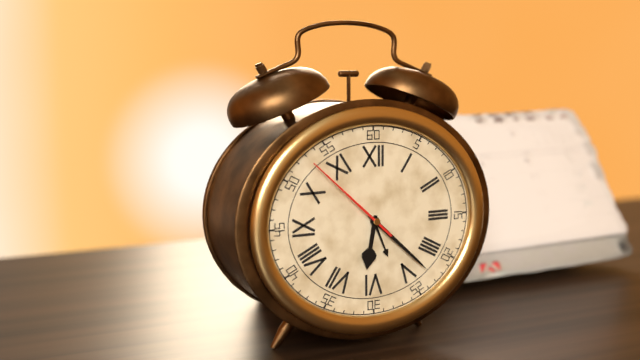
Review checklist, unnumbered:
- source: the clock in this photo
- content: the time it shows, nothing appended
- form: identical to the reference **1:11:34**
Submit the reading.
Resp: **6:22:52**
